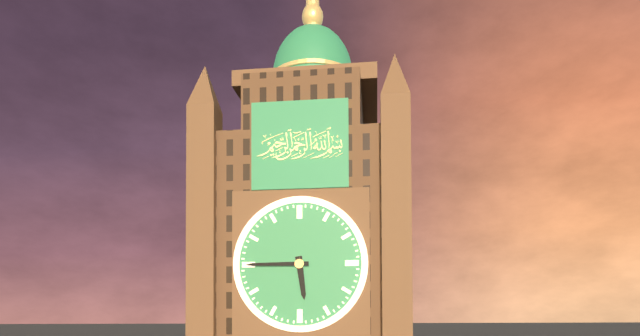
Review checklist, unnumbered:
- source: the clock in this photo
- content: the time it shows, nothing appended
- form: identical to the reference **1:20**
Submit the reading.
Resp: **5:45**
